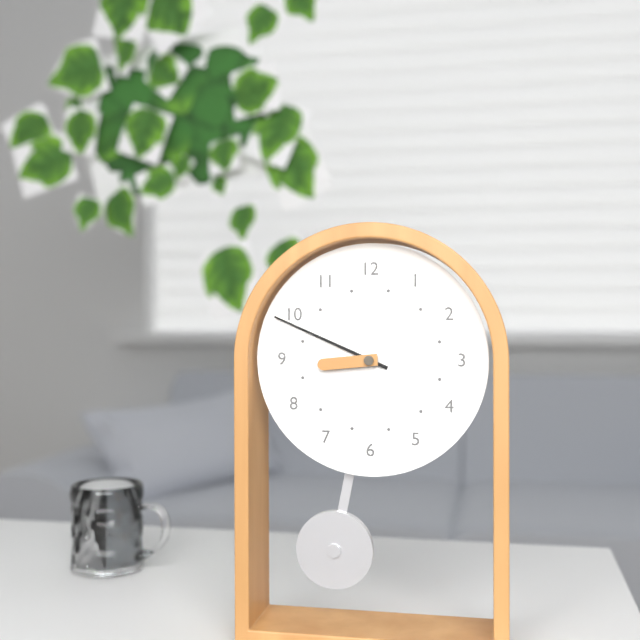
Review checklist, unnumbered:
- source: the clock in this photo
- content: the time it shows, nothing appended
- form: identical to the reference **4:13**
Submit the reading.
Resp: **8:49**
